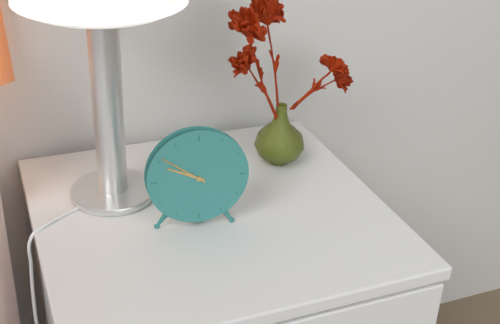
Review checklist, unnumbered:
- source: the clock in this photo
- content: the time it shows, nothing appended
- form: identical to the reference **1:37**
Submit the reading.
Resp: **9:51**
